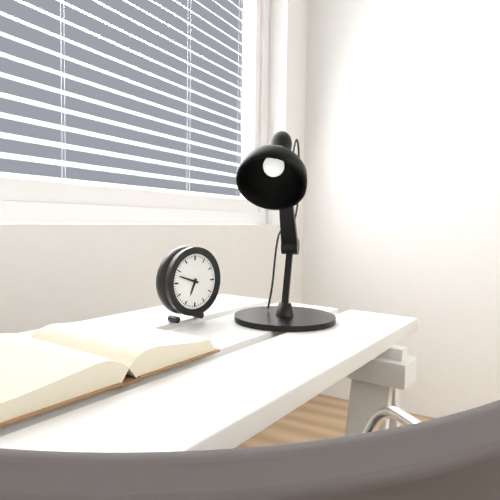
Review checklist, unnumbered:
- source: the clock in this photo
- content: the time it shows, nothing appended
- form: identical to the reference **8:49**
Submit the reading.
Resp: **6:48**
